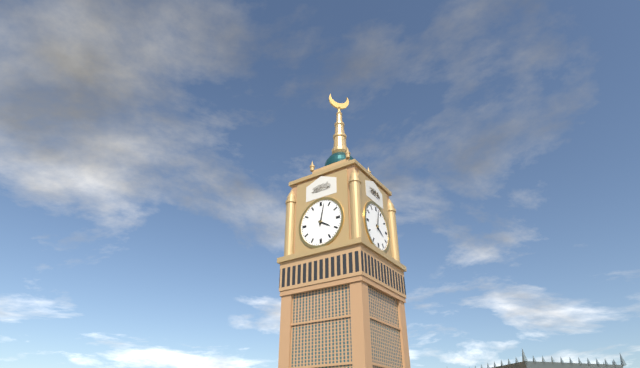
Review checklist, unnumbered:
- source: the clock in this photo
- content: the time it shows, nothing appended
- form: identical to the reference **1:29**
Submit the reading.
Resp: **4:02**
